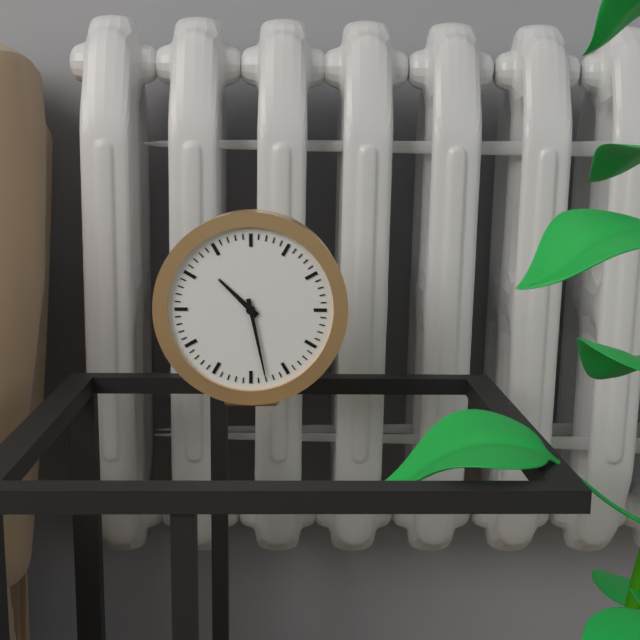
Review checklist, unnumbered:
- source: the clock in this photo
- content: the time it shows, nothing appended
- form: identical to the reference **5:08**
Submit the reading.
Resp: **10:28**
